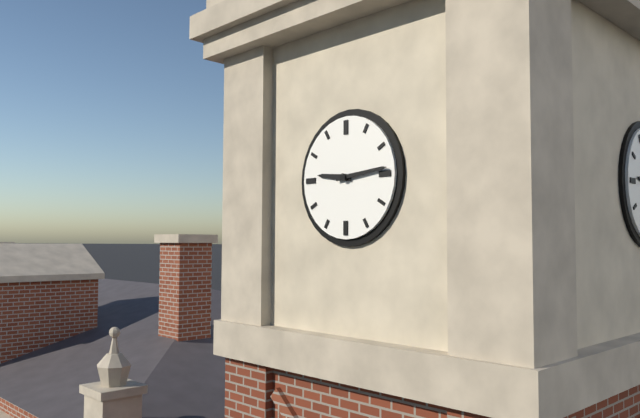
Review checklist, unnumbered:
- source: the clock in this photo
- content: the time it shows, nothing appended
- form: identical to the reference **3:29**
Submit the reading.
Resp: **9:14**
